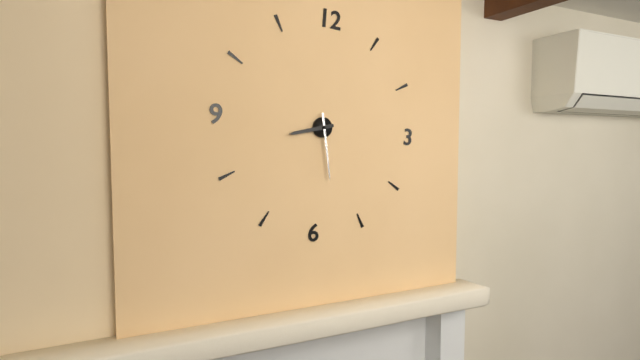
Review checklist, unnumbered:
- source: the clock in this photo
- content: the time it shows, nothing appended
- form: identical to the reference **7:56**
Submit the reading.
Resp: **8:28**
